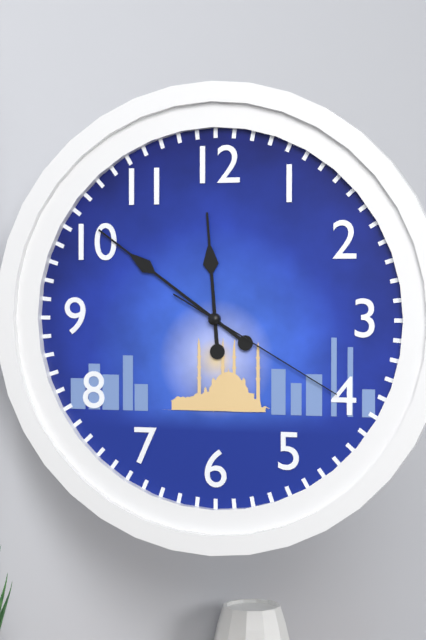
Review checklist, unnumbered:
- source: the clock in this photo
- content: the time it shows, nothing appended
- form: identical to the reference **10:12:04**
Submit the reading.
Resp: **11:51:20**
